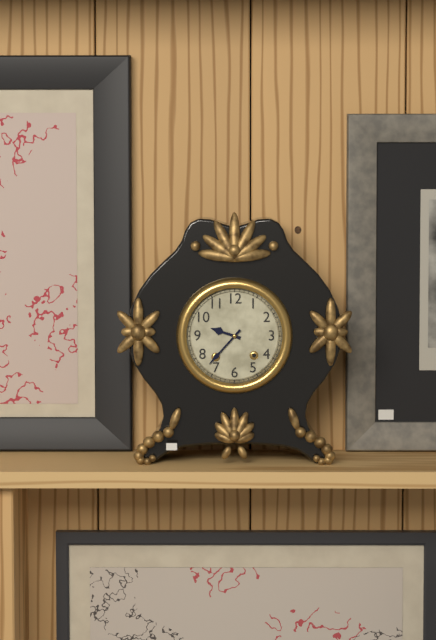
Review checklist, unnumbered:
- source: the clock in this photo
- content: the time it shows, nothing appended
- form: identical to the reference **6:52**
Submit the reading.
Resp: **9:37**
